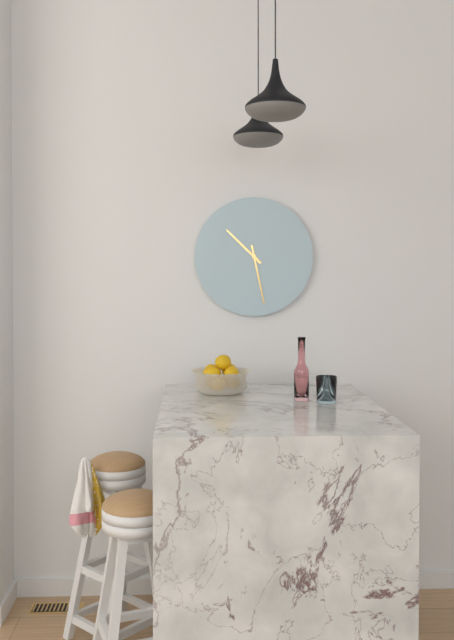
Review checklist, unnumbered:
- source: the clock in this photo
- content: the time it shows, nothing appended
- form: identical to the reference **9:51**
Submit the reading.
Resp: **10:28**
